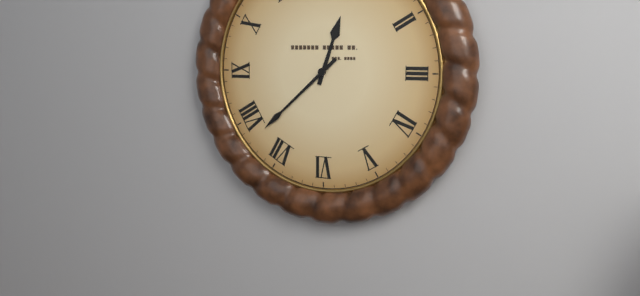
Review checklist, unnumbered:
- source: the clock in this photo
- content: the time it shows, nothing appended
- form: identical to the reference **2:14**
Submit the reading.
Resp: **12:38**
